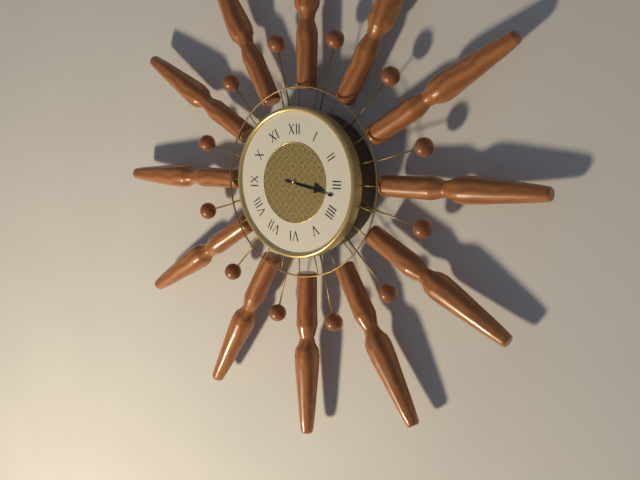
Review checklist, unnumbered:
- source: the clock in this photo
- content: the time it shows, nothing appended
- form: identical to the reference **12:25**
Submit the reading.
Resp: **3:17**
